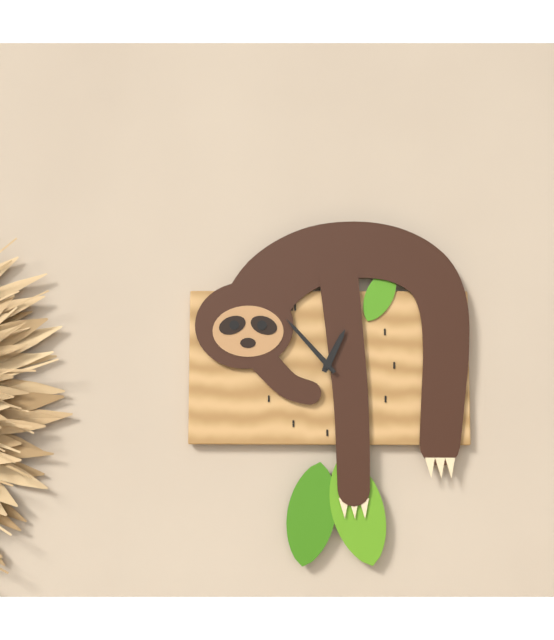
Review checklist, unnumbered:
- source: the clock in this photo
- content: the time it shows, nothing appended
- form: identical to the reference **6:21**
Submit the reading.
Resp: **12:53**
